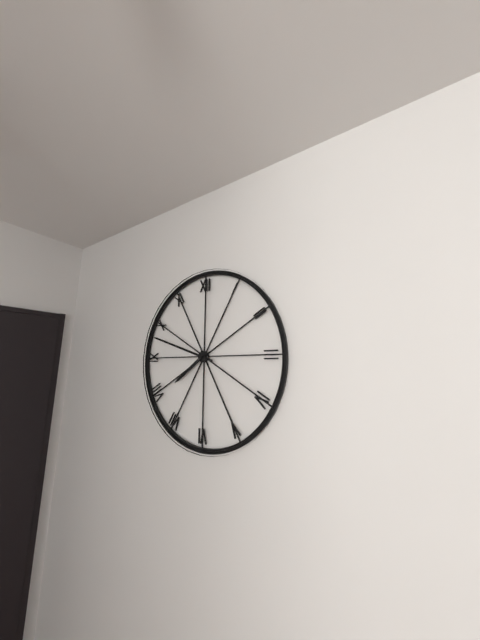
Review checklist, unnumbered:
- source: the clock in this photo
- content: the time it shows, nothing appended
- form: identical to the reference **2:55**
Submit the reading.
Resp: **7:48**
